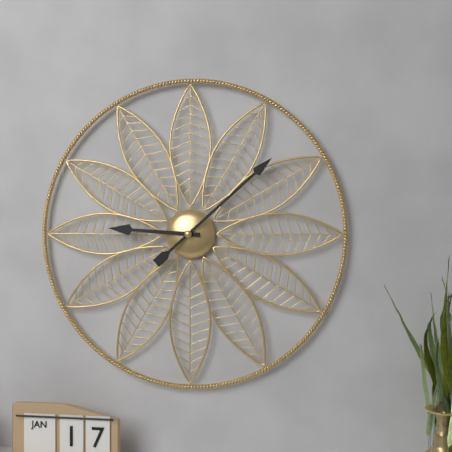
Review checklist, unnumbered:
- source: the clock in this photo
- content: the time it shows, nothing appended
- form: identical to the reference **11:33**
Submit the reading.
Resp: **9:08**
